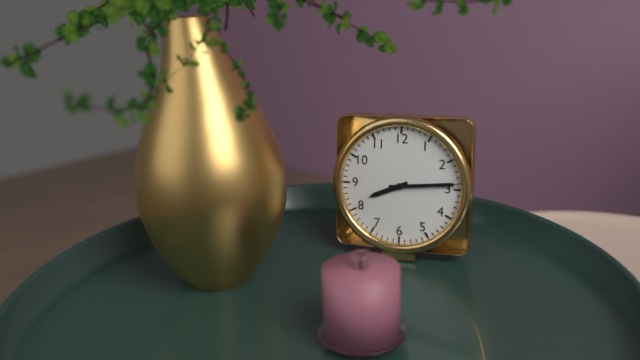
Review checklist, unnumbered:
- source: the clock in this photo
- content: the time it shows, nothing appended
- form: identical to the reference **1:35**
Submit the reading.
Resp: **8:14**
